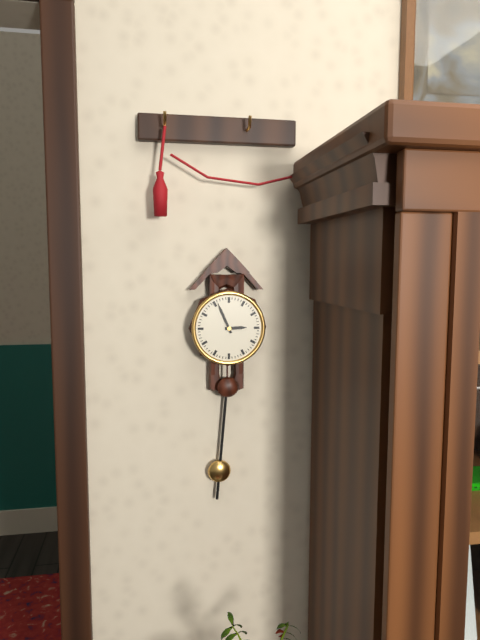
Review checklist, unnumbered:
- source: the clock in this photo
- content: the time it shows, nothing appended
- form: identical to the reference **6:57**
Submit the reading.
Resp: **2:56**
